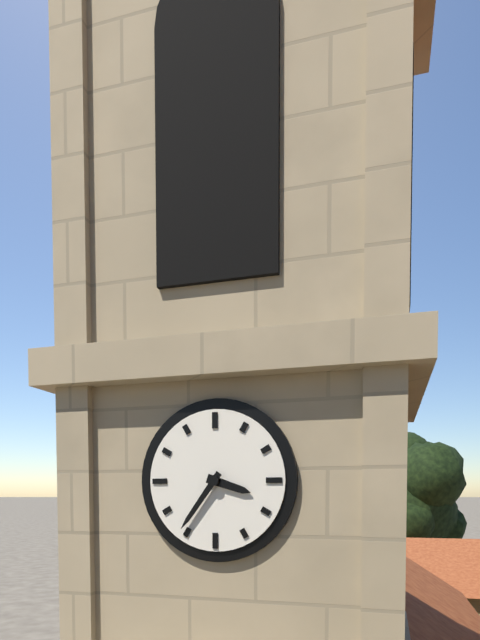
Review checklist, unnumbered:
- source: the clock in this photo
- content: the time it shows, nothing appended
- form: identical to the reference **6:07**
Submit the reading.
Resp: **3:36**
